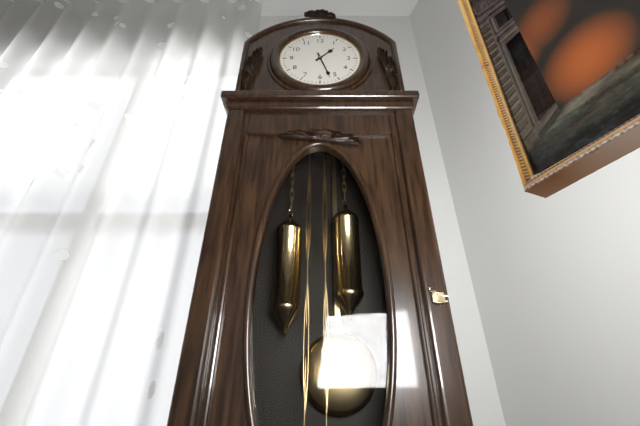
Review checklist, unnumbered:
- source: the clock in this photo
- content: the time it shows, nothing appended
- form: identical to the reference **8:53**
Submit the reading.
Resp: **1:27**
